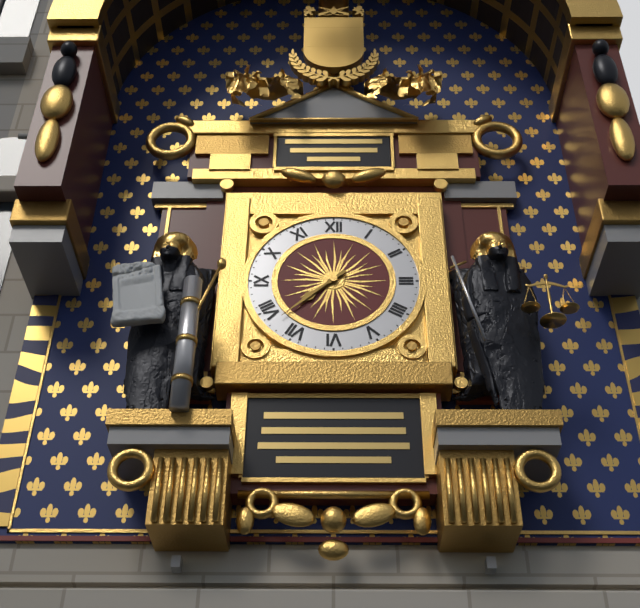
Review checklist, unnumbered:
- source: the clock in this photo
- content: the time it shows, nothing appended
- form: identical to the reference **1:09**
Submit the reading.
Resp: **7:38**
